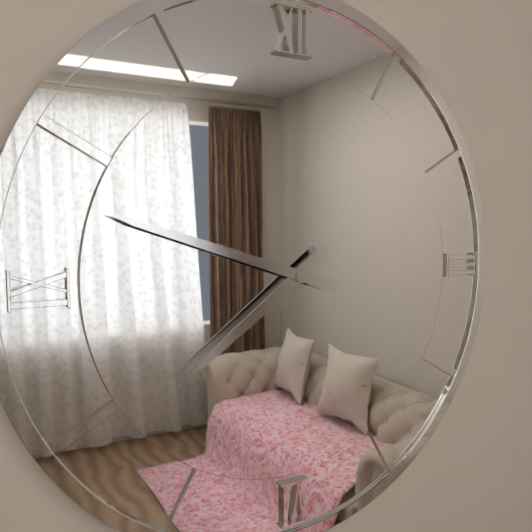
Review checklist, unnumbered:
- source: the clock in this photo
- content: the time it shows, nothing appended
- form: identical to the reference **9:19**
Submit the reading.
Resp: **7:48**
